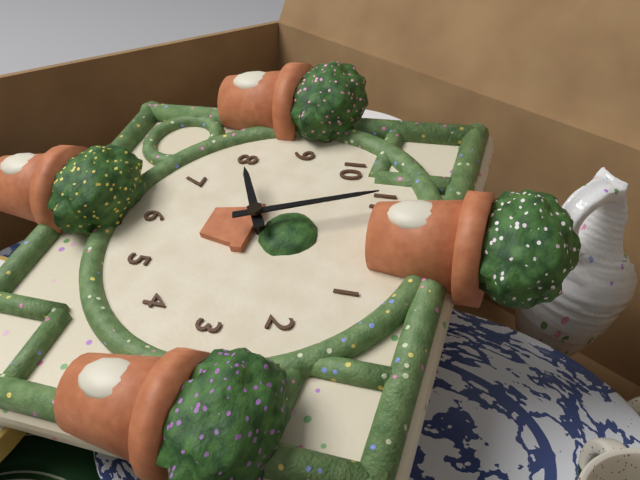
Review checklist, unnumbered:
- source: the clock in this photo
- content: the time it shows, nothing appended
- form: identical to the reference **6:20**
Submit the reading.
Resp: **7:56**
